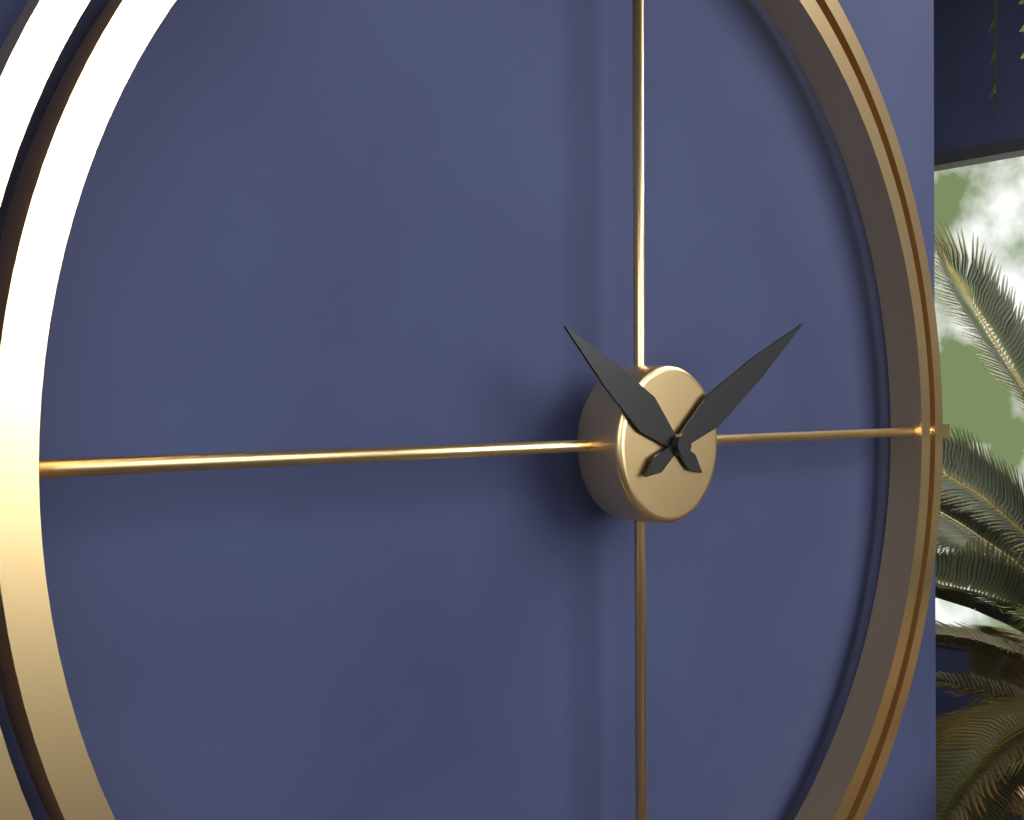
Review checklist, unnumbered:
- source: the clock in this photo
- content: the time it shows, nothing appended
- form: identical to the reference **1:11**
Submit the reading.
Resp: **10:10**
